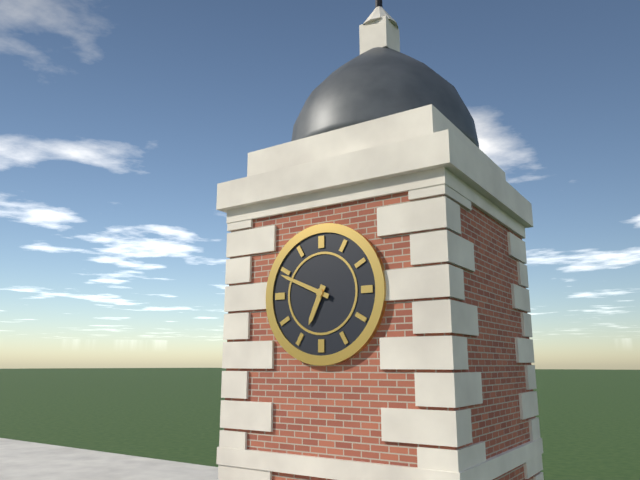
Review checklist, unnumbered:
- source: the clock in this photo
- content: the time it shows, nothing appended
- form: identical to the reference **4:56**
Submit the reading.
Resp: **6:49**
